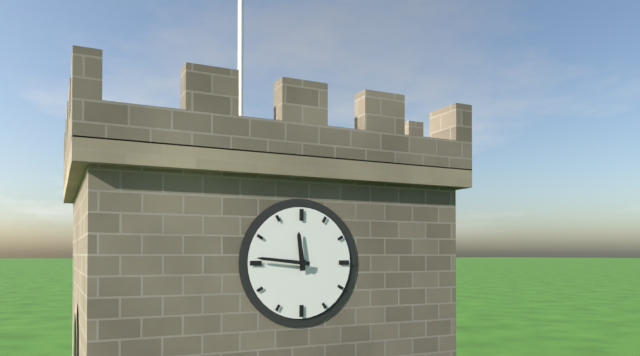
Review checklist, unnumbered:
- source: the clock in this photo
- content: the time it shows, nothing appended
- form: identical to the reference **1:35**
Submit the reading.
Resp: **11:46**
